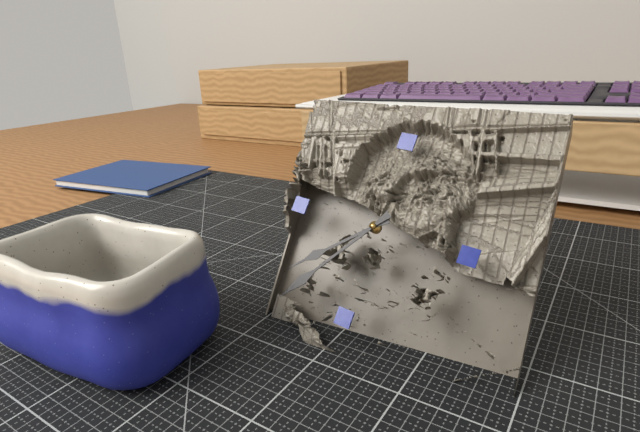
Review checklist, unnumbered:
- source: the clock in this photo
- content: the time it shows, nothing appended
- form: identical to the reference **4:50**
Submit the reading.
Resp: **7:36**
